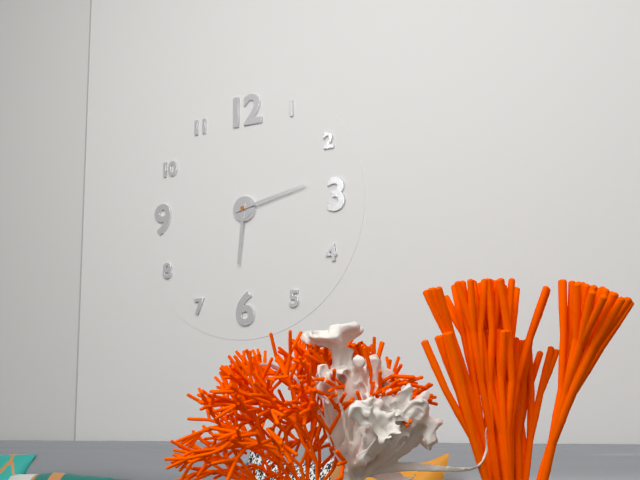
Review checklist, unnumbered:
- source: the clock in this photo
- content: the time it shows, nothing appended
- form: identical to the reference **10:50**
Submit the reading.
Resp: **6:13**
